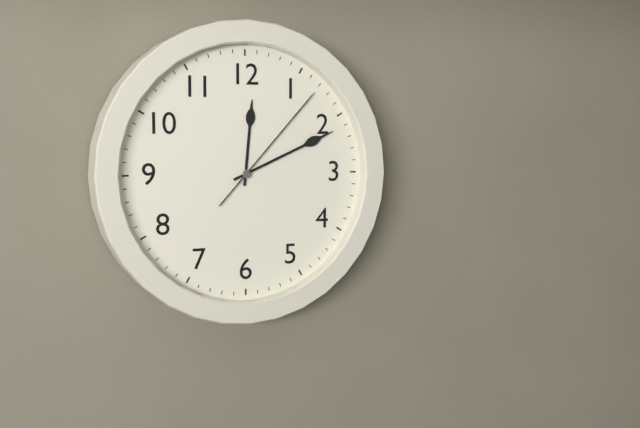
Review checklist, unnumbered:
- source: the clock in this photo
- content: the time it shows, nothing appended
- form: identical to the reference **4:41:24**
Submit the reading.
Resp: **12:11:07**
